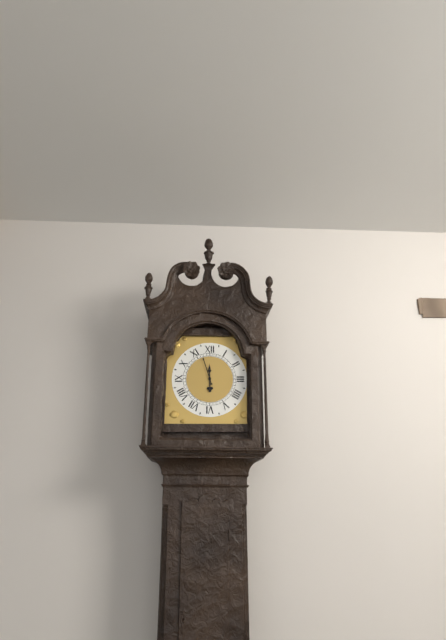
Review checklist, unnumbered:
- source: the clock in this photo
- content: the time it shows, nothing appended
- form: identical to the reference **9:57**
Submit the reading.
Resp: **11:57**
